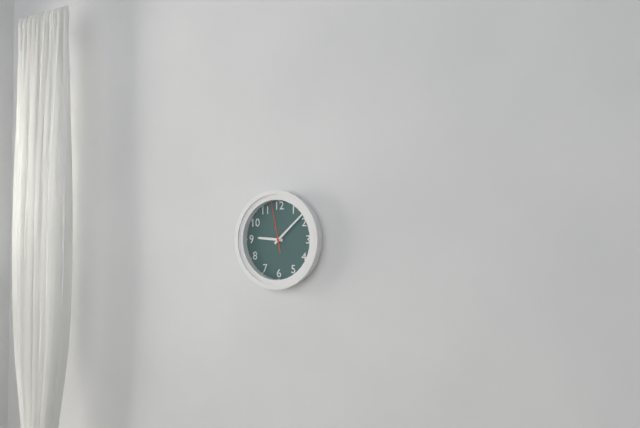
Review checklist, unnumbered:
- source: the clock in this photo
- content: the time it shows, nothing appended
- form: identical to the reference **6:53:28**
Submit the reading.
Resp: **9:08:58**
